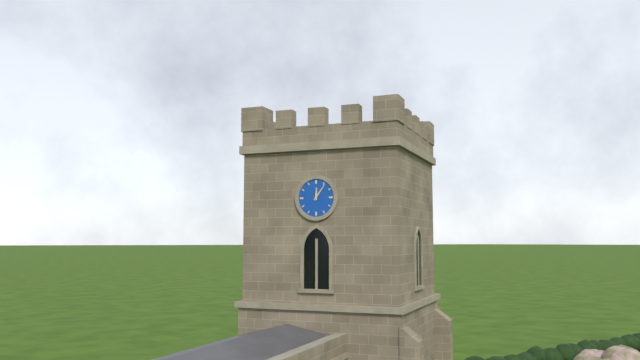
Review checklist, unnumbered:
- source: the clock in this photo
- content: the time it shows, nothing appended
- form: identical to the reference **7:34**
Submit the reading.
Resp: **12:06**
